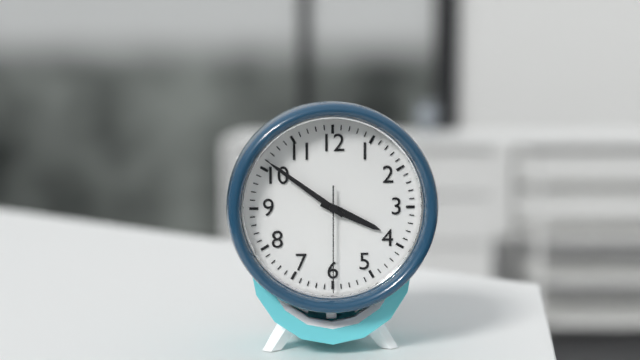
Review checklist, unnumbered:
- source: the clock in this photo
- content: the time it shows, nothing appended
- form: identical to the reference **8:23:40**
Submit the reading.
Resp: **3:51:30**
